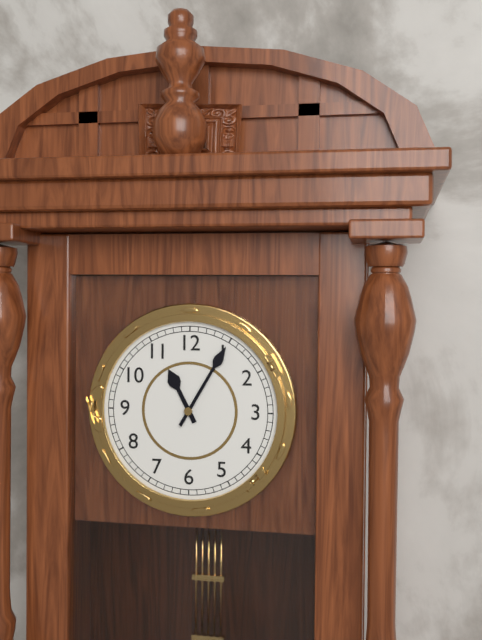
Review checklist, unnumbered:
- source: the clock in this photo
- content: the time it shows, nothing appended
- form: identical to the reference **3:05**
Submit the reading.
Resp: **11:05**
